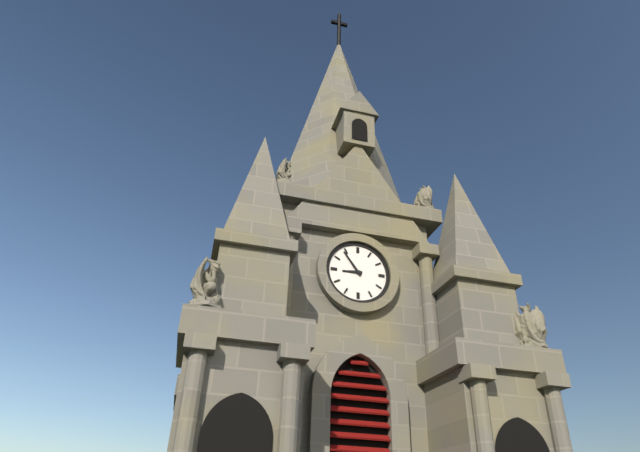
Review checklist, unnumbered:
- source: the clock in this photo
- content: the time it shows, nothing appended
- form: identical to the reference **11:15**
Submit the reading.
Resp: **8:54**
